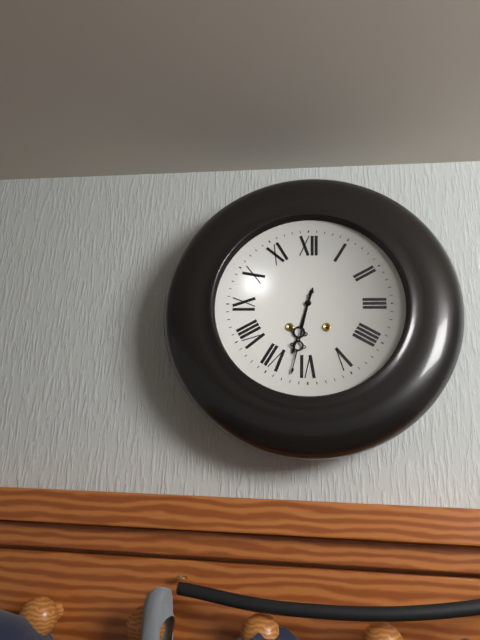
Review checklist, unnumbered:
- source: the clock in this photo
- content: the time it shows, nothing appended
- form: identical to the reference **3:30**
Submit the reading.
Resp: **6:32**
